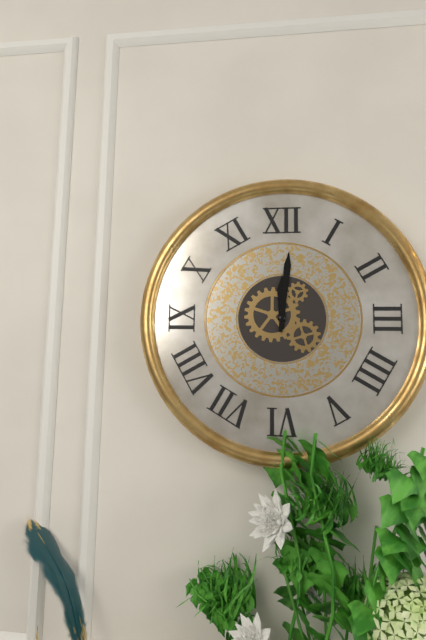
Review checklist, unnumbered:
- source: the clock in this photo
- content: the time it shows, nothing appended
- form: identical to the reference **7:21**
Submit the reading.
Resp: **12:01**
